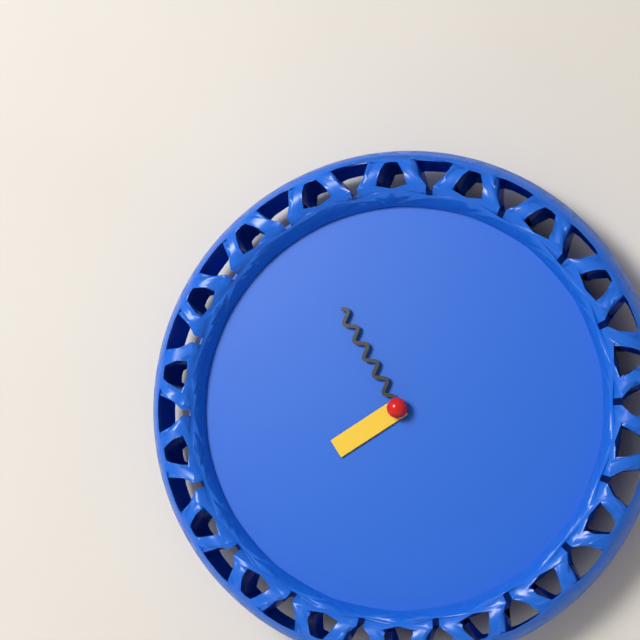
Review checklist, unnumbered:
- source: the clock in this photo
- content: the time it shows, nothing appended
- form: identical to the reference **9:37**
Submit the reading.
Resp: **7:55**
